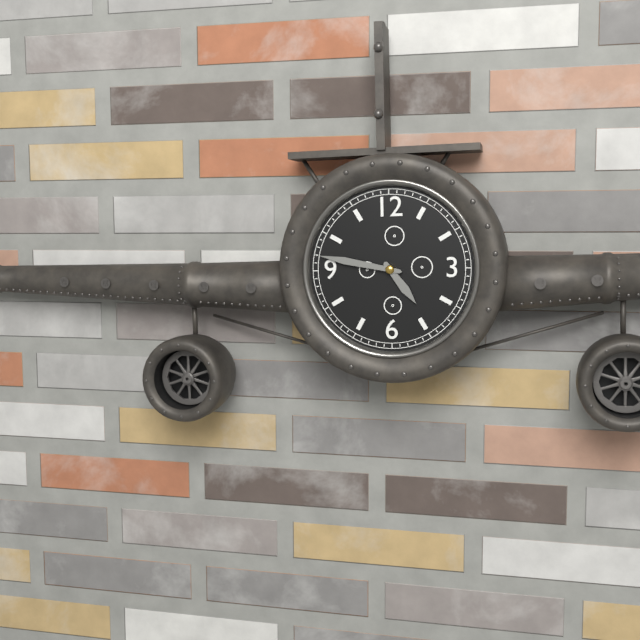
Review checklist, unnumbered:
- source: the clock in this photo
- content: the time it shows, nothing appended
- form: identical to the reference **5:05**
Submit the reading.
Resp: **4:47**
